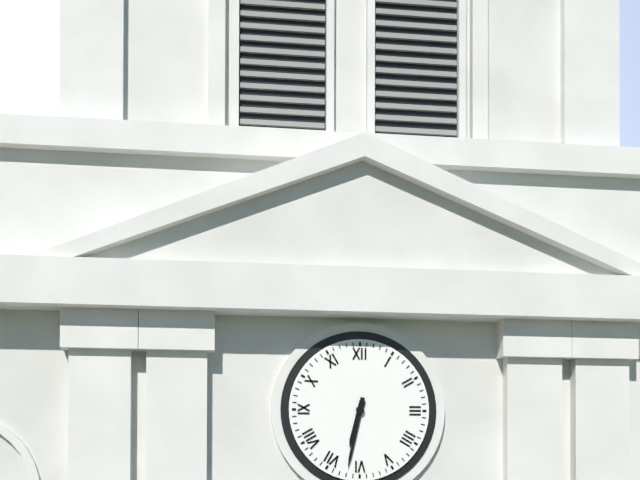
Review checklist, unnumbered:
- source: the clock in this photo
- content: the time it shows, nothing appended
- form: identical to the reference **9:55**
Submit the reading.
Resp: **6:32**
